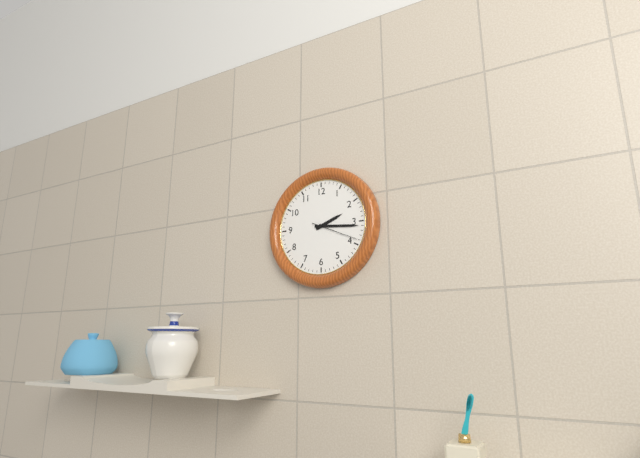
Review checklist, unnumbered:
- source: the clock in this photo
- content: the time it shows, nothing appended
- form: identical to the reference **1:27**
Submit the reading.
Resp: **2:16**
